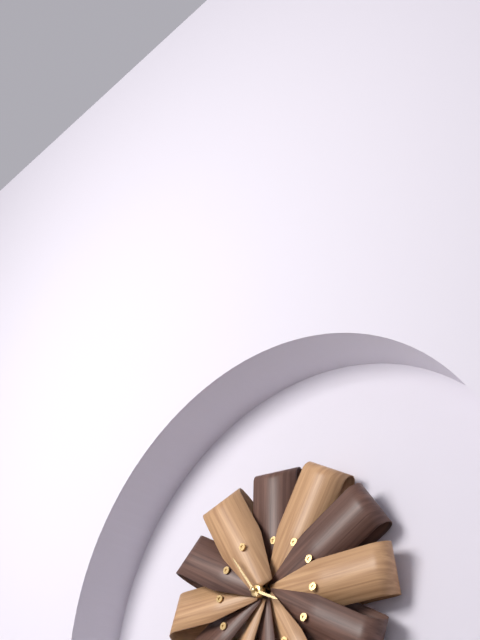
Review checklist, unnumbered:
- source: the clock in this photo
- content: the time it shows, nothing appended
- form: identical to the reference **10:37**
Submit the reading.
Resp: **3:54**
